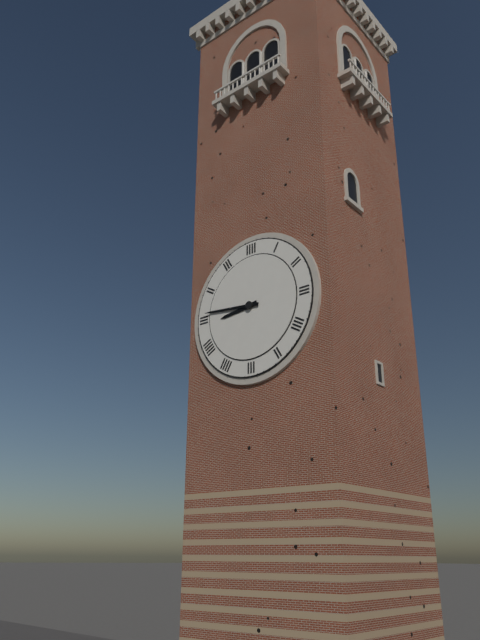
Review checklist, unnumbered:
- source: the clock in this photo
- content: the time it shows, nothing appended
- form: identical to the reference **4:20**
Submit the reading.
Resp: **8:46**
